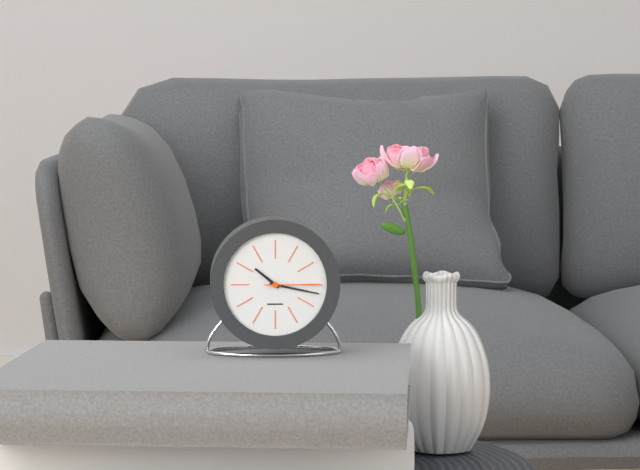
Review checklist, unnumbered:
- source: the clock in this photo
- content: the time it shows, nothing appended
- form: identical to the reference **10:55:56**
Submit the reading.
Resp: **10:17:15**
